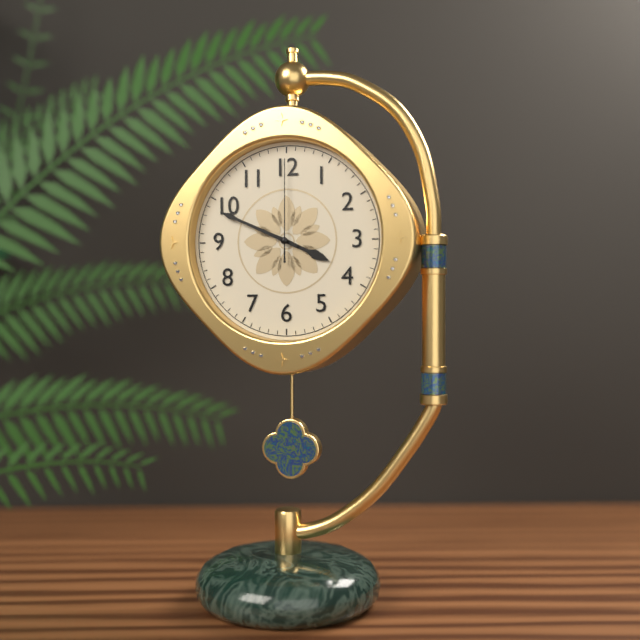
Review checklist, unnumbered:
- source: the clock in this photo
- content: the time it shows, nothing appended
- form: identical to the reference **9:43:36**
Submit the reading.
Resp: **3:49:00**
